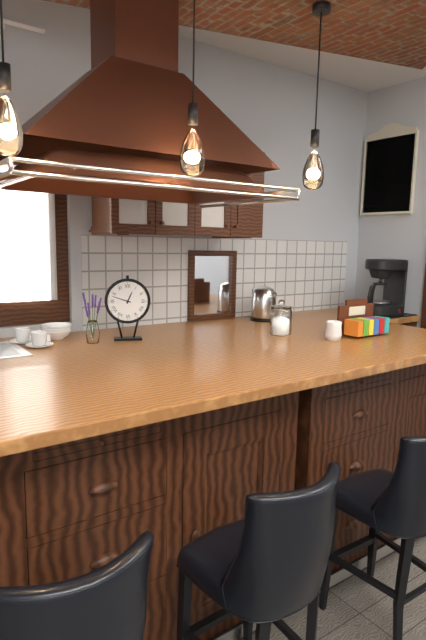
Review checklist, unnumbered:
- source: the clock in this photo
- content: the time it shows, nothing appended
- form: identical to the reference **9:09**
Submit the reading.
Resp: **12:48**
